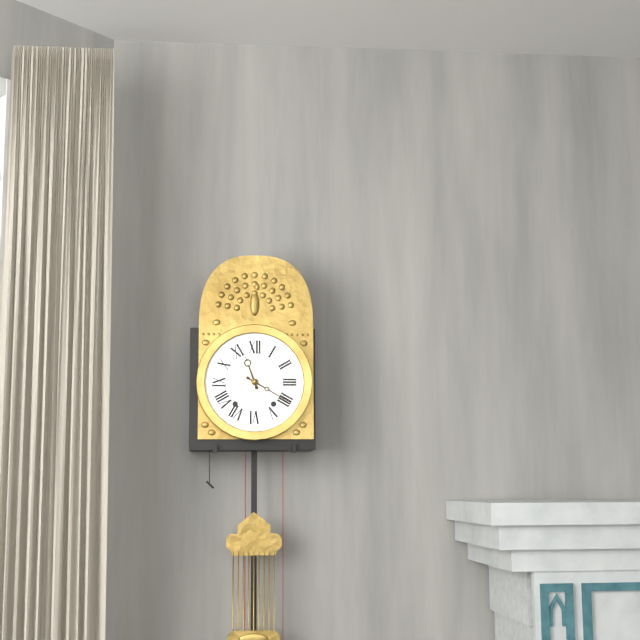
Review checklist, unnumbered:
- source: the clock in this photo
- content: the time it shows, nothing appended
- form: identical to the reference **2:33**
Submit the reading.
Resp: **11:20**
